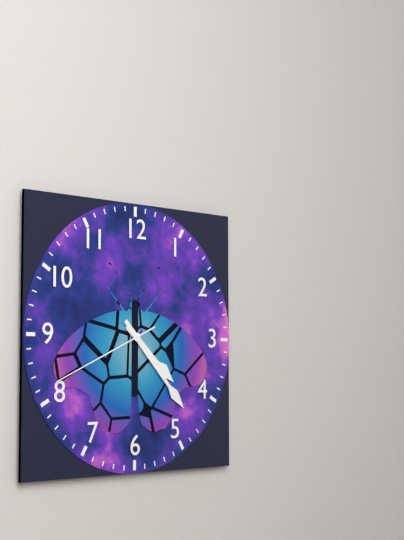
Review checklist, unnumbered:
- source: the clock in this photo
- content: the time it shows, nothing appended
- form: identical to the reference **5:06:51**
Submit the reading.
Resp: **4:23:41**
